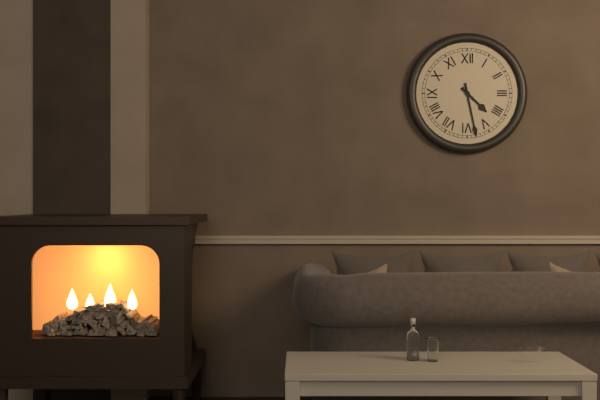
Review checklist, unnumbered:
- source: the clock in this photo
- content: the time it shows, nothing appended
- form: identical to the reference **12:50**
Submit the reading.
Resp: **4:28**
